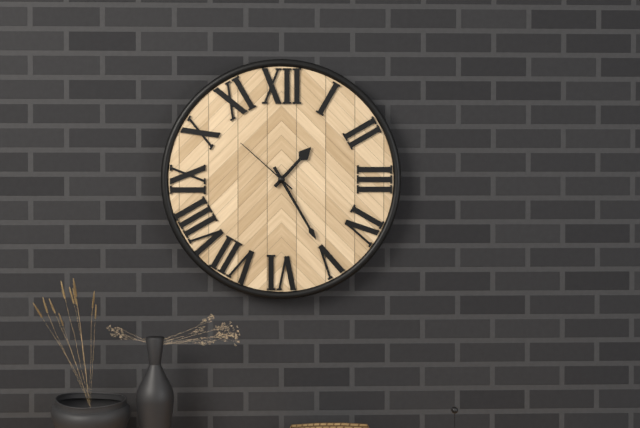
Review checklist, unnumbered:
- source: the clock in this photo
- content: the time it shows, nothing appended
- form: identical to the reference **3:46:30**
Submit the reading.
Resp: **1:25:52**
